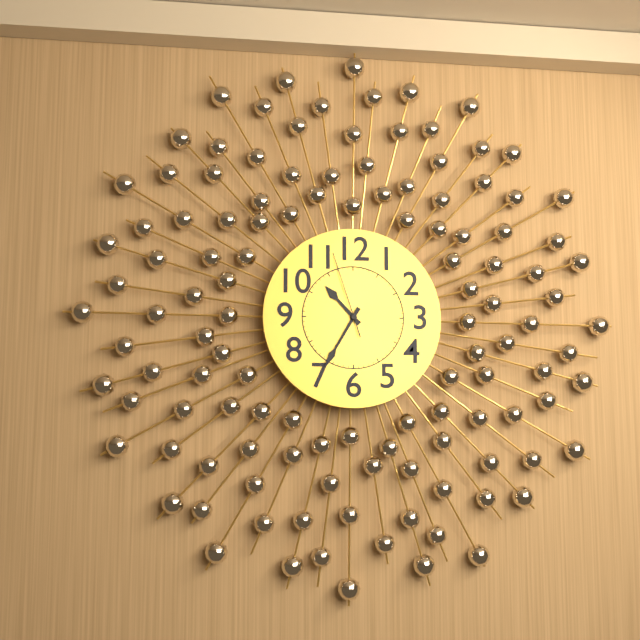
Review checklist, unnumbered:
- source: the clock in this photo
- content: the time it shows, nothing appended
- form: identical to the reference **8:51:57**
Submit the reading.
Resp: **10:35:57**
